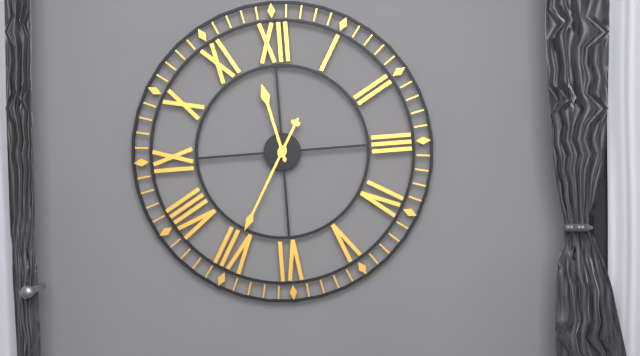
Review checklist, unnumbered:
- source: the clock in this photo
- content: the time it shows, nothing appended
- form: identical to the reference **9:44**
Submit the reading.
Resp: **11:35**
